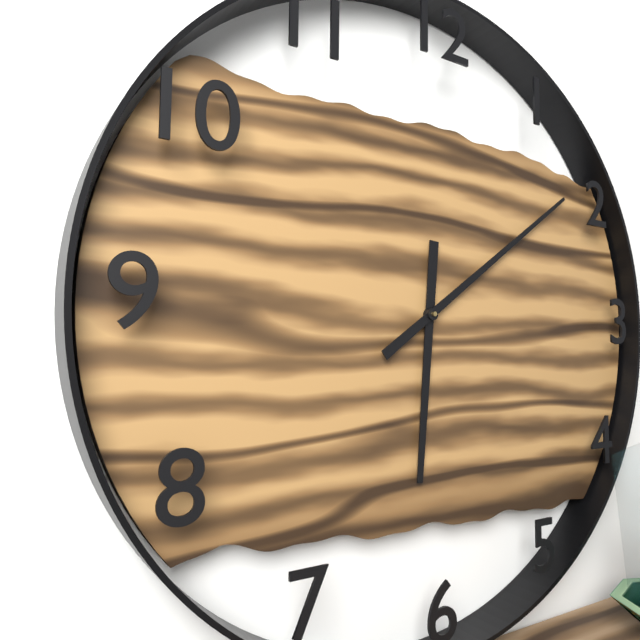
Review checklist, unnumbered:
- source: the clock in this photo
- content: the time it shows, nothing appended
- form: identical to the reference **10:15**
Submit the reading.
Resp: **6:09**
